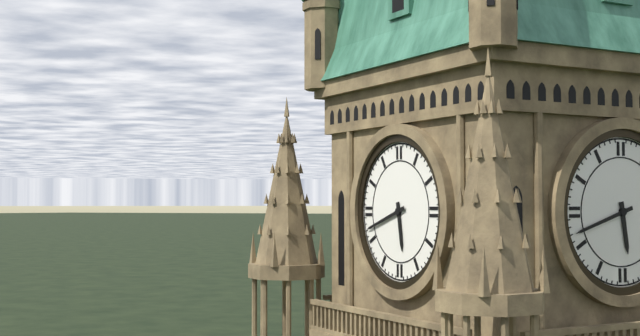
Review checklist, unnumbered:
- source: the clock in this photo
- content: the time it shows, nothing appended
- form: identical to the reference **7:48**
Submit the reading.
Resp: **5:42**
